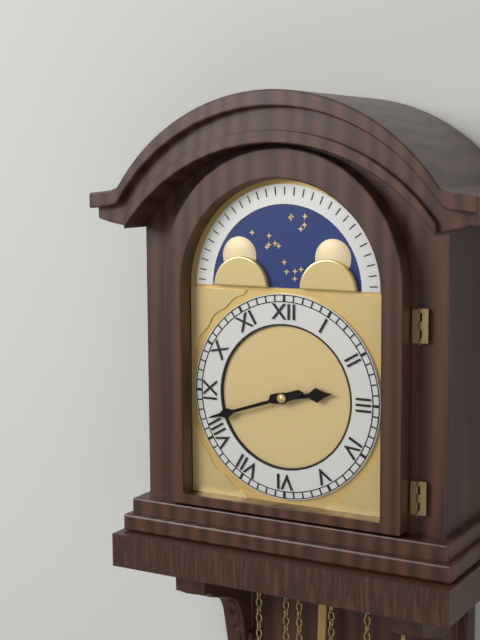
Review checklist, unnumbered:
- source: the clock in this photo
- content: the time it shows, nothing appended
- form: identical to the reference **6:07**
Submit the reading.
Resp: **2:42**
